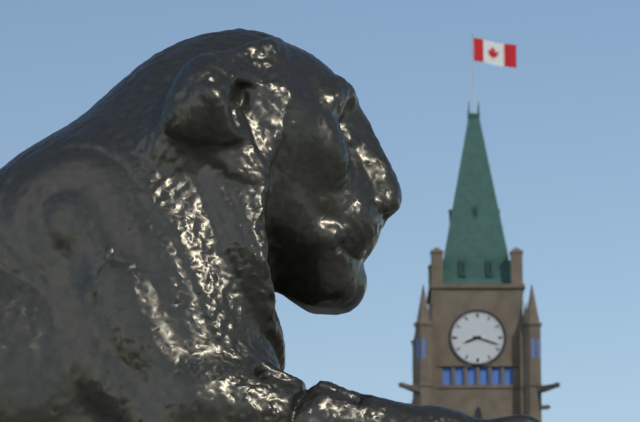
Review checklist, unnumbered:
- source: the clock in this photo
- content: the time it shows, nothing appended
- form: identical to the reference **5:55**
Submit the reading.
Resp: **8:18**
